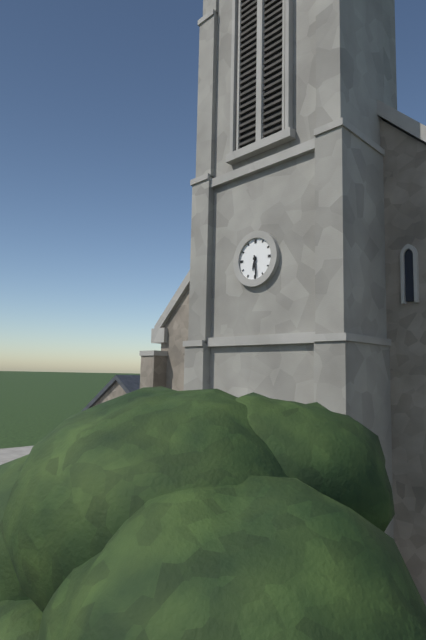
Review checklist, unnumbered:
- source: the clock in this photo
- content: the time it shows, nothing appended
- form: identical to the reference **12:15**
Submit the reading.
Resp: **6:29**
